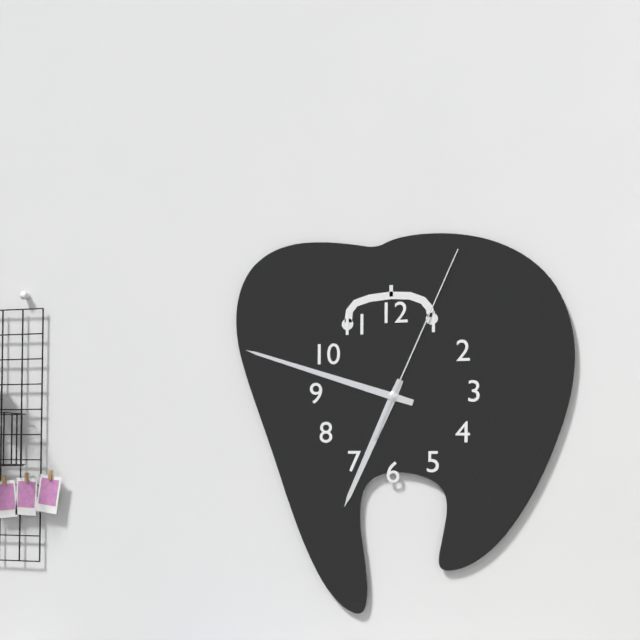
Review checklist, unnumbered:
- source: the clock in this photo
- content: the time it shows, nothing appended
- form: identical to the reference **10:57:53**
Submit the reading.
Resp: **6:48:04**
